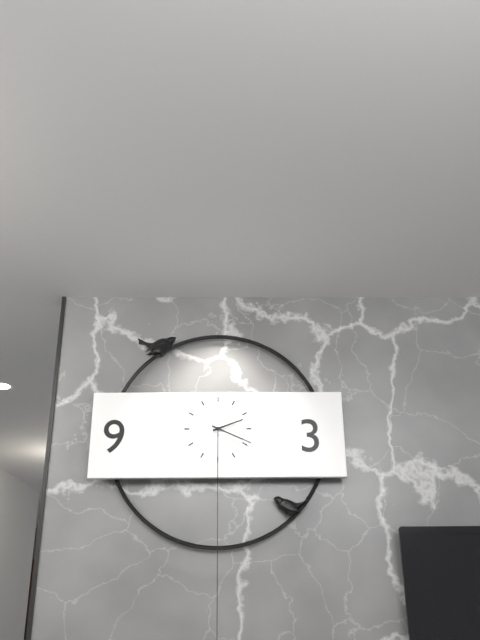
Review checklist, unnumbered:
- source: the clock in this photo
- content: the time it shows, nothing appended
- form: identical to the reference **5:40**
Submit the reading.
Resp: **2:19**
